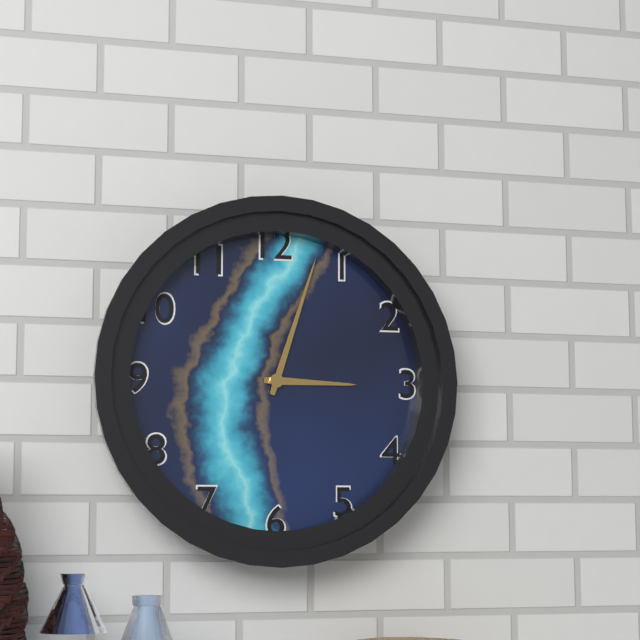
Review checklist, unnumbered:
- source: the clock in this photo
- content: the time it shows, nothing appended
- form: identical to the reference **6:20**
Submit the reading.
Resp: **3:03**
